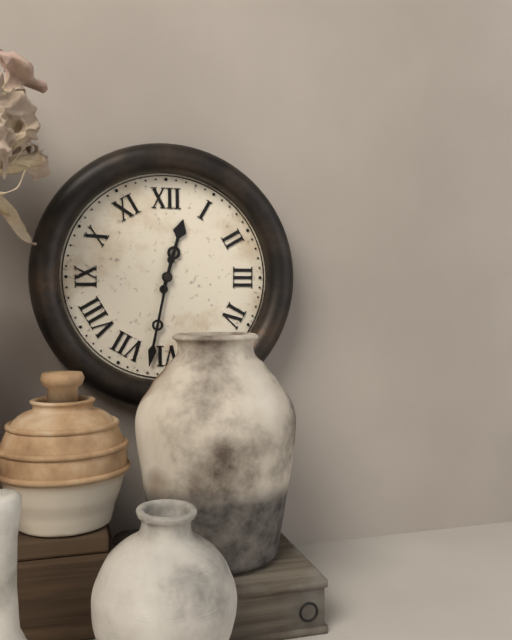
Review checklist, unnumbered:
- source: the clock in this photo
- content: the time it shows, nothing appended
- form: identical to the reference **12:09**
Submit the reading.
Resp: **12:32**
